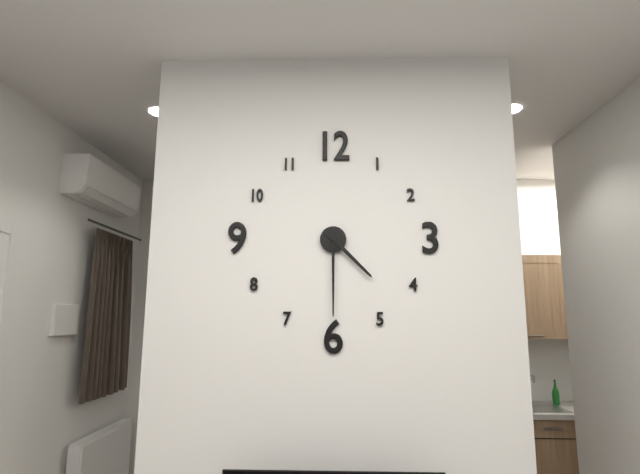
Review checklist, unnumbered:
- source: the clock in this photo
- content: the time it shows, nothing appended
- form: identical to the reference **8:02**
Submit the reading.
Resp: **4:30**
